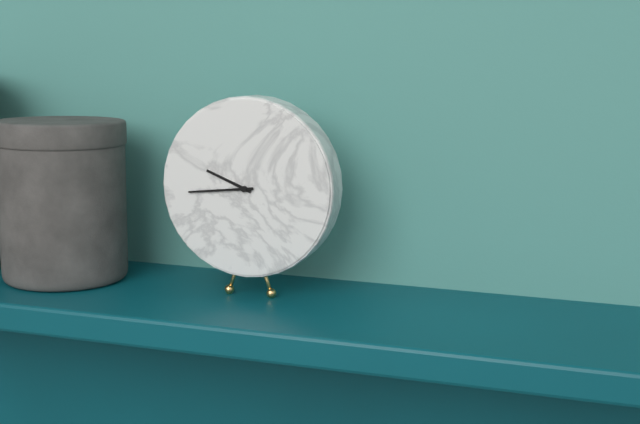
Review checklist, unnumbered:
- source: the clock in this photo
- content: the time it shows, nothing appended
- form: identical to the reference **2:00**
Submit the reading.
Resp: **9:44**
